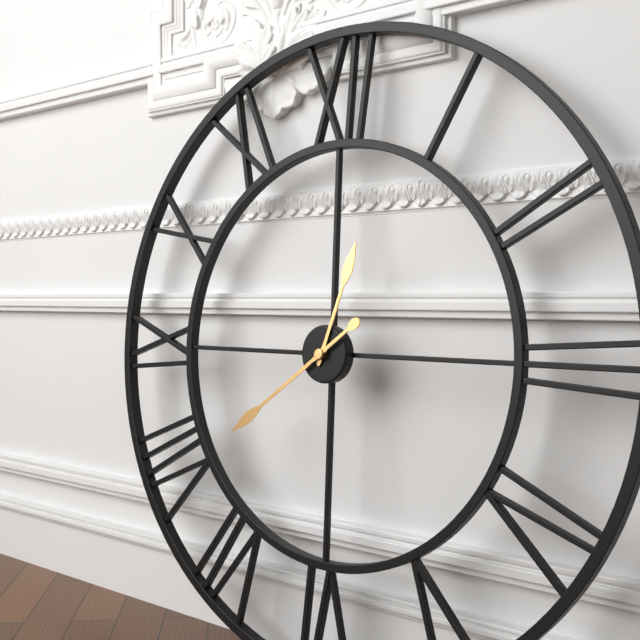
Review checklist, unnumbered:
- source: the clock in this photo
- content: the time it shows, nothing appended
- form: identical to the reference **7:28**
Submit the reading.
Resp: **12:39**
